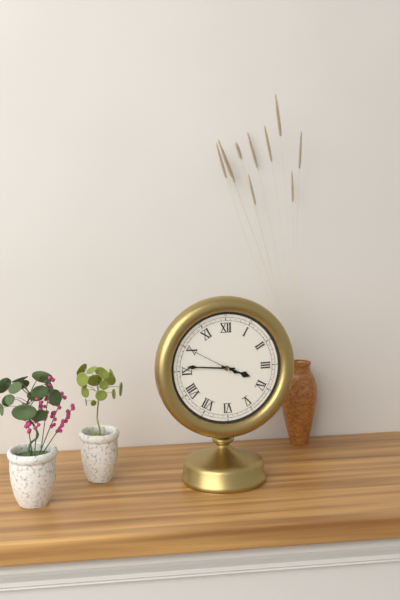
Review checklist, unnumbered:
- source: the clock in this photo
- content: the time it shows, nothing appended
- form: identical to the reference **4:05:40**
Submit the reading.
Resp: **3:46:50**
